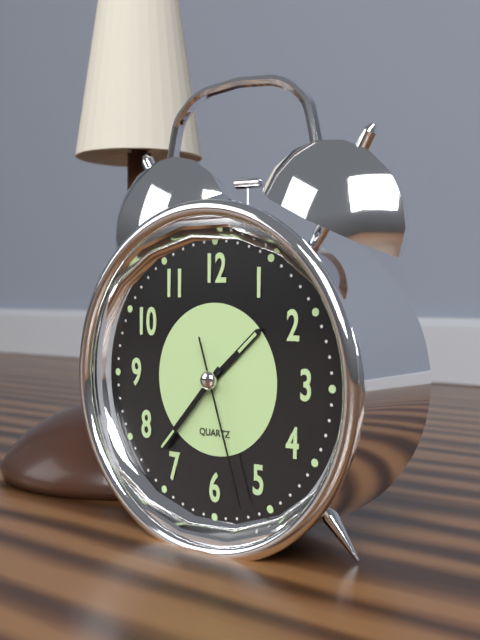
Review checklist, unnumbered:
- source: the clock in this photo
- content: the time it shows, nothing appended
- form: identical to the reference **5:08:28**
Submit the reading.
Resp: **1:37:27**
